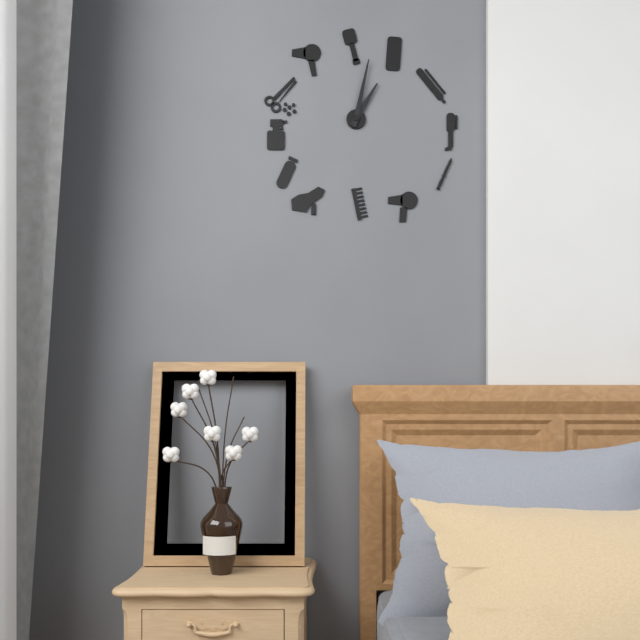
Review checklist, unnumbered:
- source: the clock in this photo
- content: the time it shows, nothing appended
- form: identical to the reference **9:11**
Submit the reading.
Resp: **1:02**
